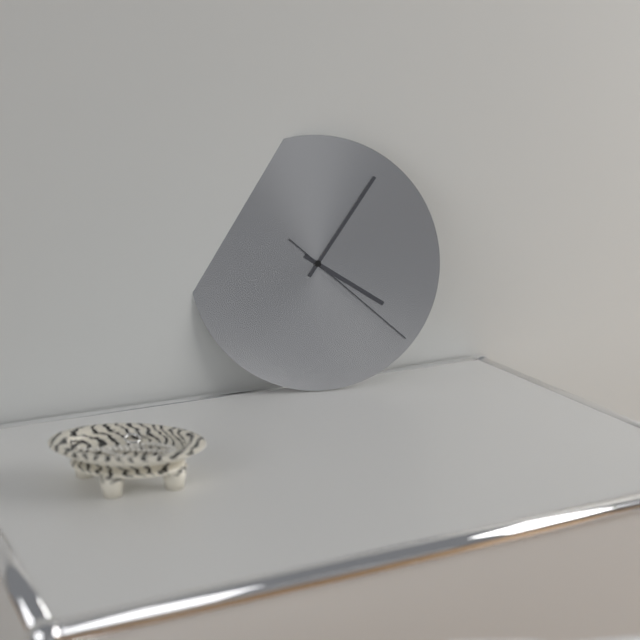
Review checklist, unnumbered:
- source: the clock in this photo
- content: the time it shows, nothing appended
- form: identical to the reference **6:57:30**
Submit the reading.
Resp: **4:06:22**
